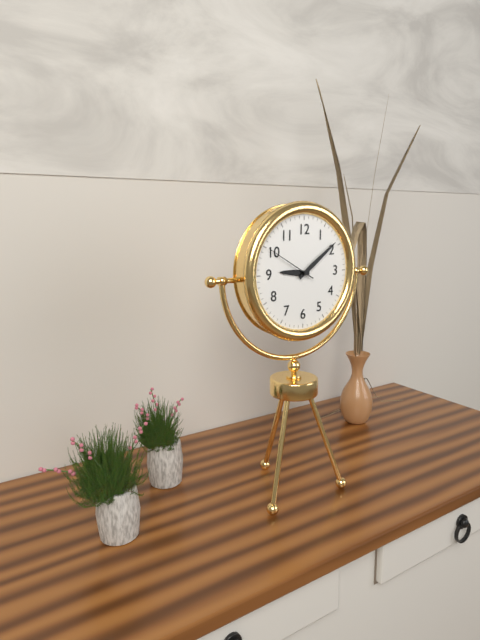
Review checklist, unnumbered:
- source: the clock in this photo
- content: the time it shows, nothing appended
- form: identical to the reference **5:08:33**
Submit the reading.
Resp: **9:09:50**
